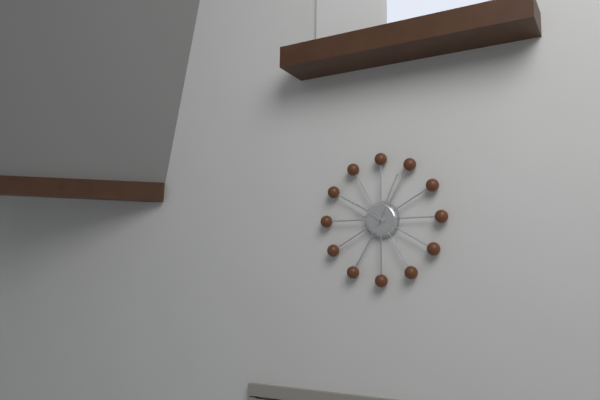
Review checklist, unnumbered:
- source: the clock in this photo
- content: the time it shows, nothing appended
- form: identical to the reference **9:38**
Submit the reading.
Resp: **10:04**
